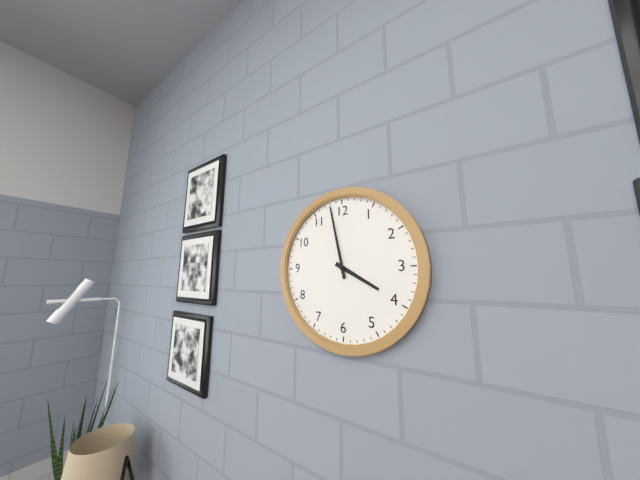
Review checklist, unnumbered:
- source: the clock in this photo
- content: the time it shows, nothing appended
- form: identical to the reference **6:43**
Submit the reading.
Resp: **3:58**
